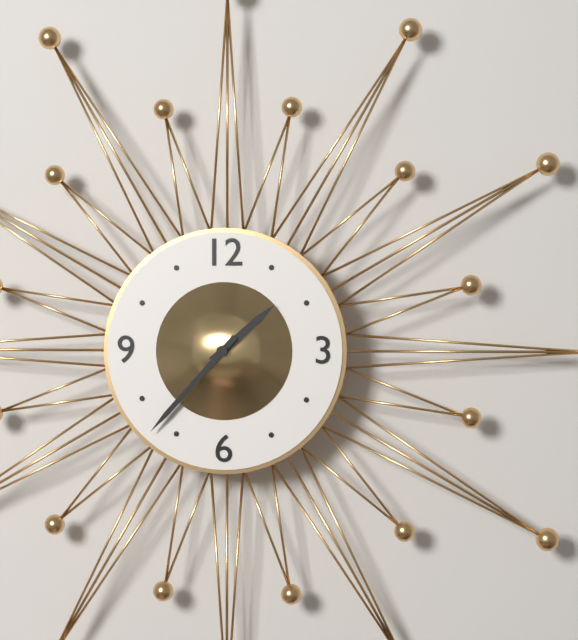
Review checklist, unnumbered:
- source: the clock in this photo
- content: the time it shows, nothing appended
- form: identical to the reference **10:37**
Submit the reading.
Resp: **1:37**
